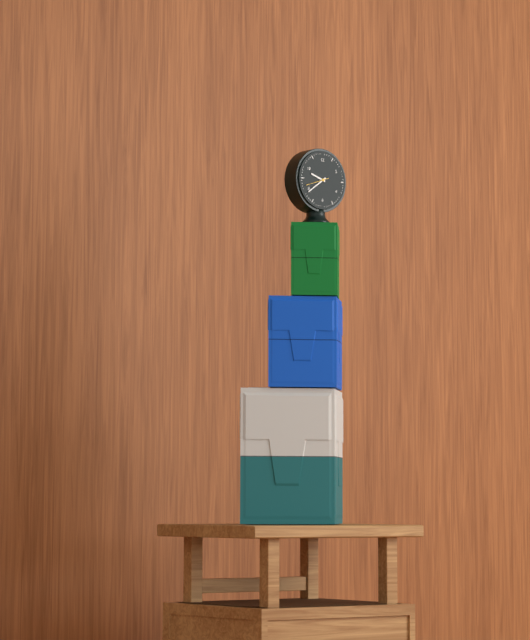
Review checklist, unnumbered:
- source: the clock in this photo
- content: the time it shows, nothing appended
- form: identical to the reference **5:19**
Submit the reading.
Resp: **9:39**
